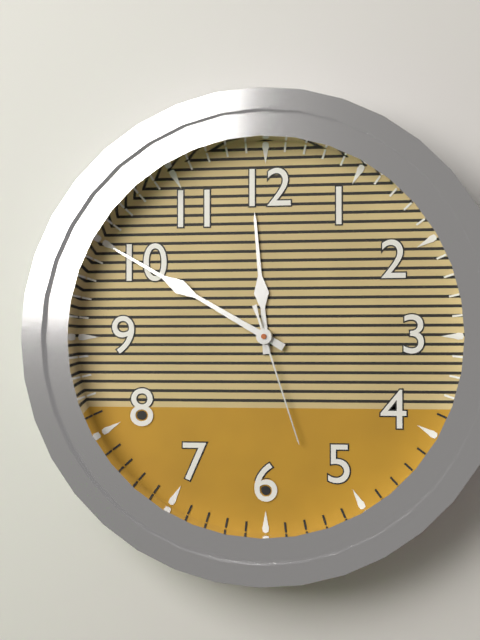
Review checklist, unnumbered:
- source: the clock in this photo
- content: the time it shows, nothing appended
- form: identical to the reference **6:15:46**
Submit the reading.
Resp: **11:50:27**
